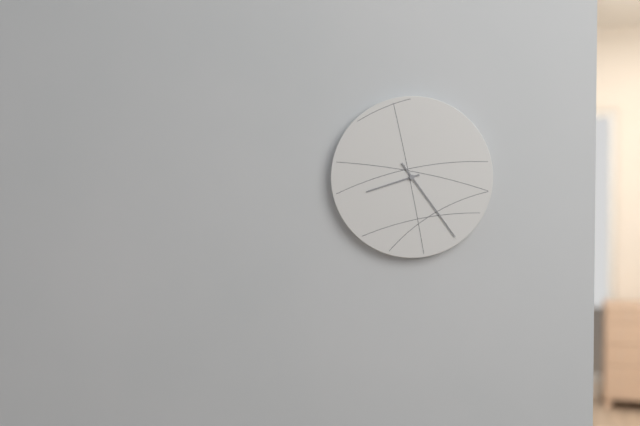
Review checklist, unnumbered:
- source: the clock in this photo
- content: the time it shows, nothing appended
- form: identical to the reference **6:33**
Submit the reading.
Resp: **8:24**
